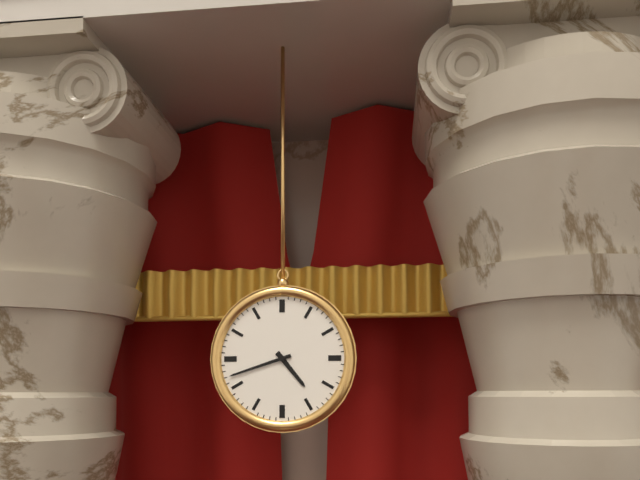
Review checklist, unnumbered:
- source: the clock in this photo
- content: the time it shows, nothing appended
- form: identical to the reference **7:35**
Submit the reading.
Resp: **4:42**
